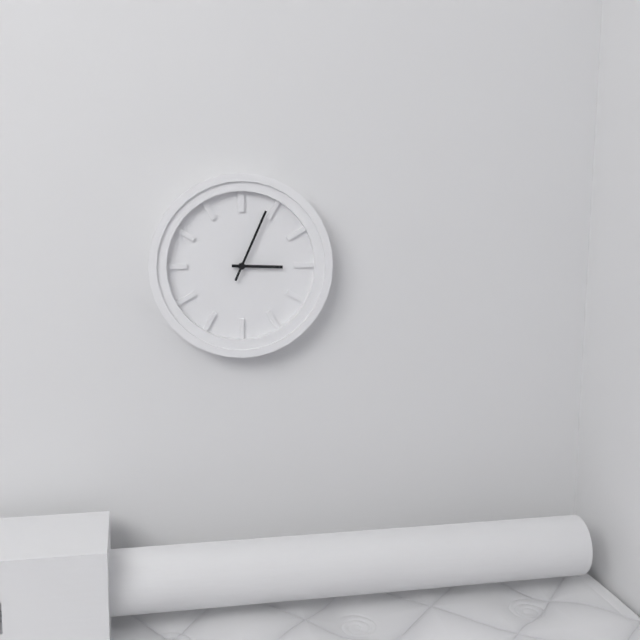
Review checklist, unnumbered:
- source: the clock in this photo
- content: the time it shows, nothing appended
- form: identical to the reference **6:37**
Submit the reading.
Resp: **3:04**
